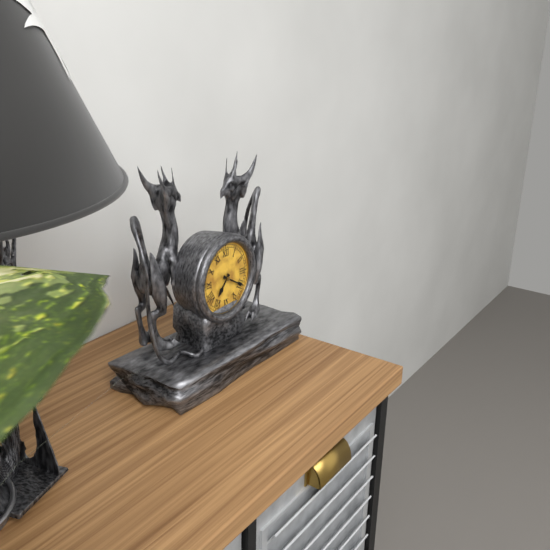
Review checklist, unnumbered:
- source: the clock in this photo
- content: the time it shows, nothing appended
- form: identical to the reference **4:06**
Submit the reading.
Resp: **7:20**
